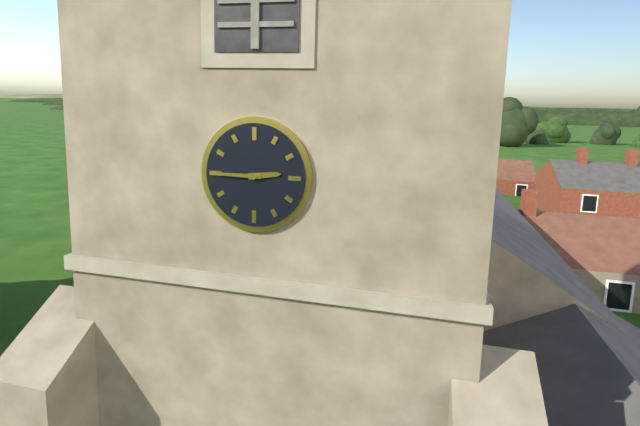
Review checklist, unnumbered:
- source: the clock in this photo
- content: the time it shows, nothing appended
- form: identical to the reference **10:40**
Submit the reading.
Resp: **2:45**
